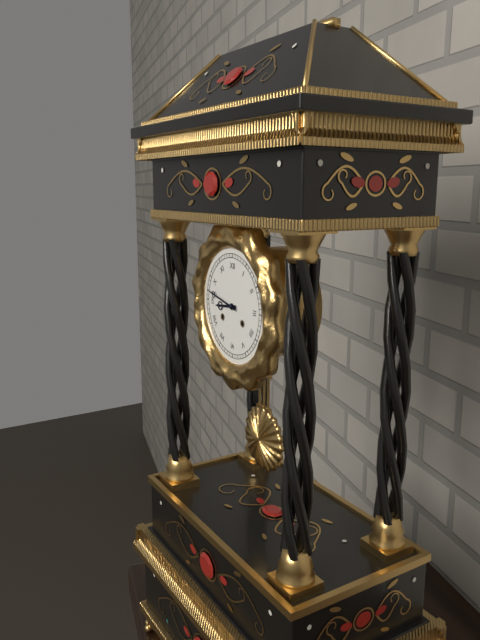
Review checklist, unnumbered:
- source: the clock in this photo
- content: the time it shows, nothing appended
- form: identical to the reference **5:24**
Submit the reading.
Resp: **8:47**
